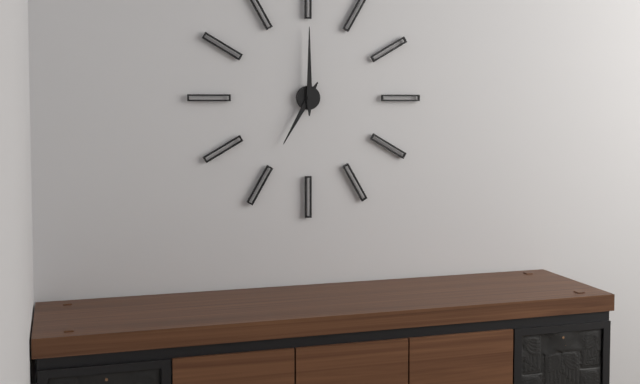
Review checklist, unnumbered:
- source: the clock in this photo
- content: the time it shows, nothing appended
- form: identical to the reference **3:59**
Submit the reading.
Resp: **7:00**
